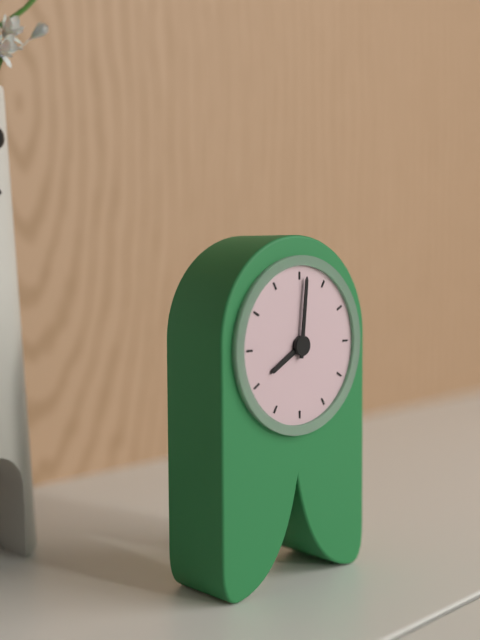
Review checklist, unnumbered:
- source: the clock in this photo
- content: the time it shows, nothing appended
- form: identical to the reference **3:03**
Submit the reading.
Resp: **8:01**
